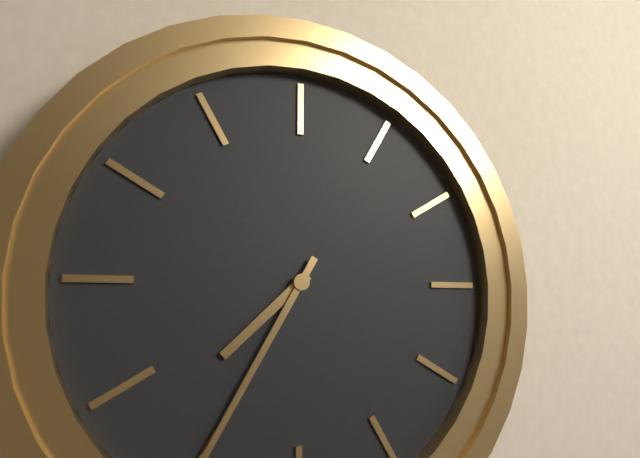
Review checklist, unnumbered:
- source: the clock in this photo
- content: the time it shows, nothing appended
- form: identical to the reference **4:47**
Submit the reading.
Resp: **7:35**
